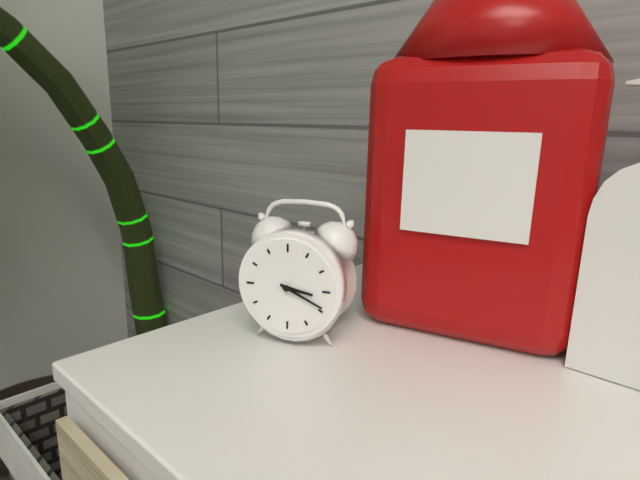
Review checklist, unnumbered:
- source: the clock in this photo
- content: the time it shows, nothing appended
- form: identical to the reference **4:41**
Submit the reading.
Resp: **3:19**
